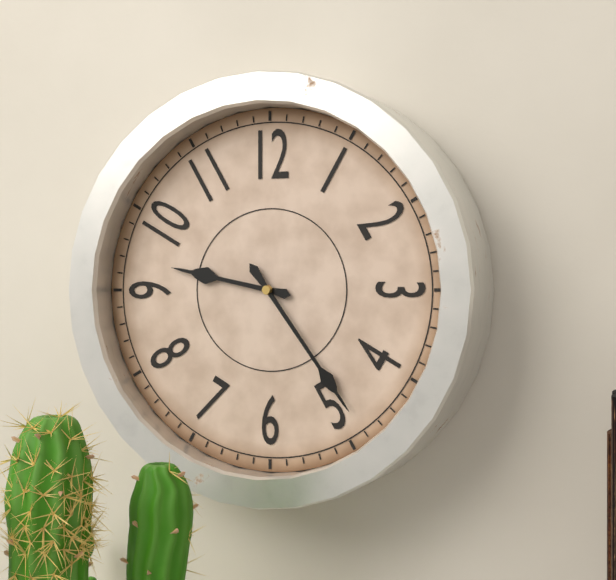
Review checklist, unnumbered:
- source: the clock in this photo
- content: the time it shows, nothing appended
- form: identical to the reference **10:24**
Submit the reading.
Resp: **9:24**
